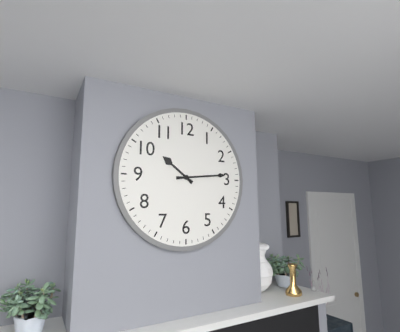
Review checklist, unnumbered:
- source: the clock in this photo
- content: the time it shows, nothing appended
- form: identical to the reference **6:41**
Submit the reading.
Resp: **10:14**
